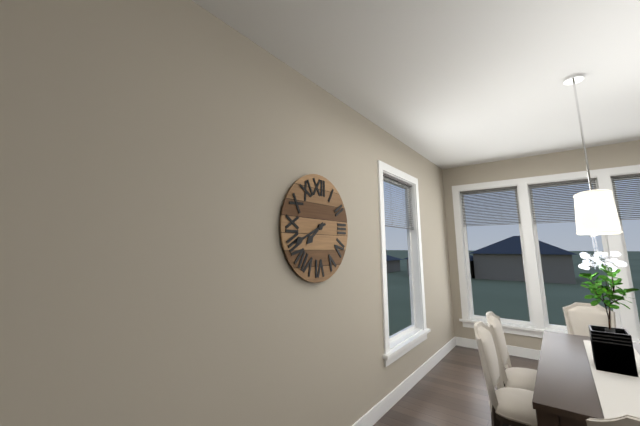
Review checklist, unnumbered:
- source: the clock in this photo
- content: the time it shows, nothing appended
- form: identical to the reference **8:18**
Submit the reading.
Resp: **7:41**
